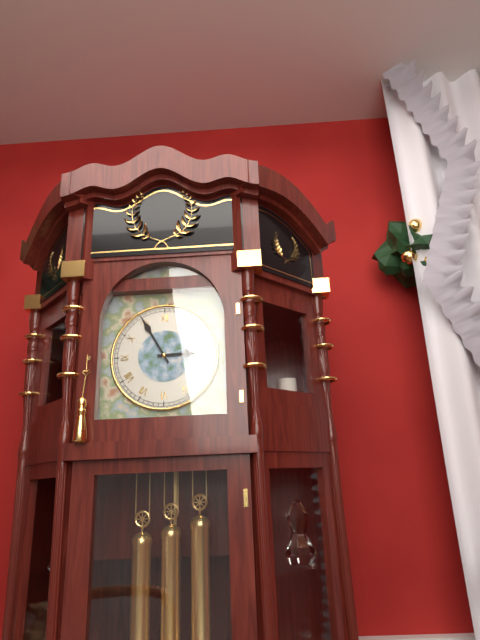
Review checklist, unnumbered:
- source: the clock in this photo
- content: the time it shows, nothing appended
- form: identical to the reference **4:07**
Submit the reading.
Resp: **2:55**
